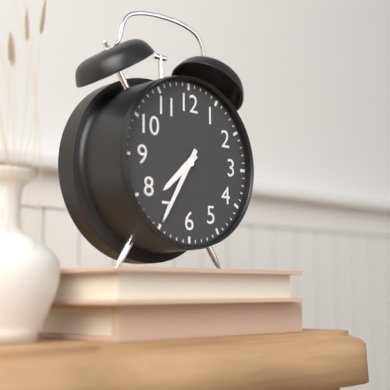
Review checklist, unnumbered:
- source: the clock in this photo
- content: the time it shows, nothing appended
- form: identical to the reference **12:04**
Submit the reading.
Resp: **7:35**
